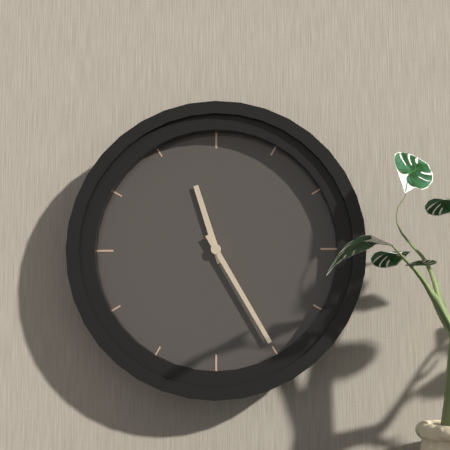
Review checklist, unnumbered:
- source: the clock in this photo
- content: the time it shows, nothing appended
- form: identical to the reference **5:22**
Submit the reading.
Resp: **11:25**
